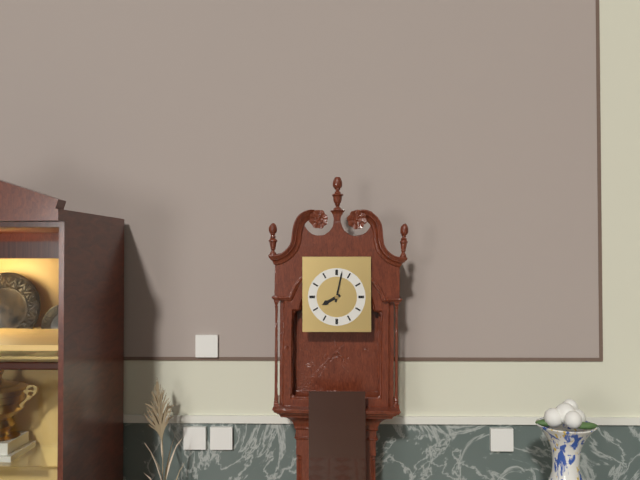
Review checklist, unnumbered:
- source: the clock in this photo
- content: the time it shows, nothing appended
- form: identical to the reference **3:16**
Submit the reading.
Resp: **8:02**
